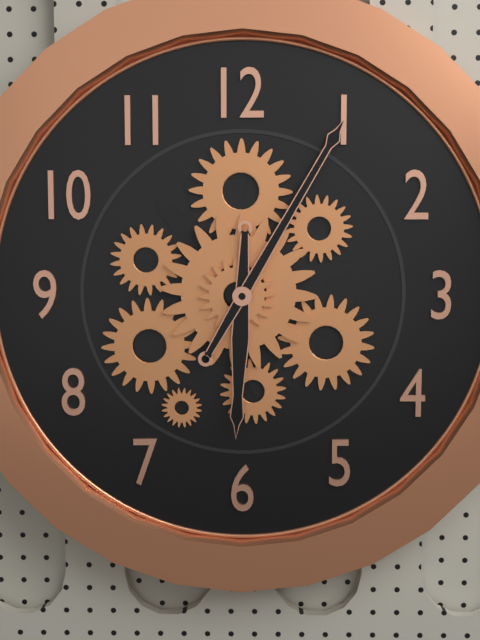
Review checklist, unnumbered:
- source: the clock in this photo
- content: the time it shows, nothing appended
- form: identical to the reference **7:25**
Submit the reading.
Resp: **6:05**
